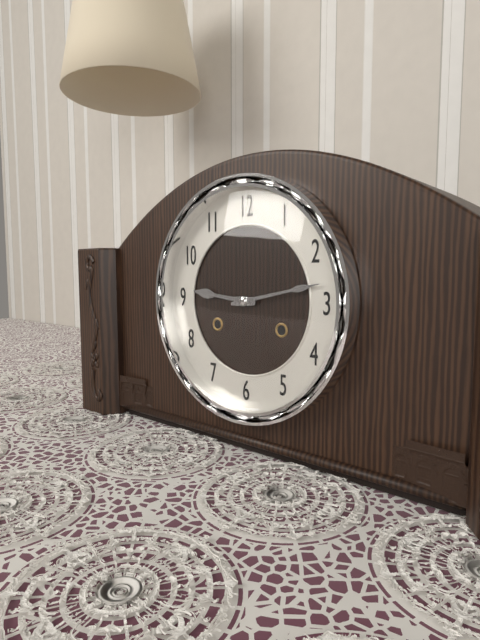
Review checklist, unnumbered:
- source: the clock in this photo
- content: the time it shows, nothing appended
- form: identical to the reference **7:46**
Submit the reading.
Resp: **9:13**
